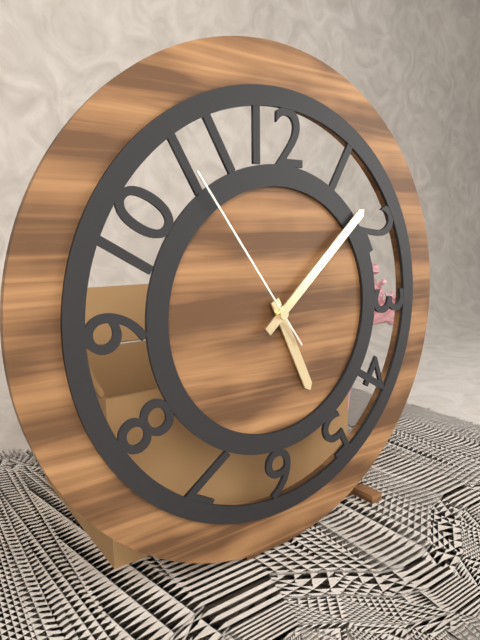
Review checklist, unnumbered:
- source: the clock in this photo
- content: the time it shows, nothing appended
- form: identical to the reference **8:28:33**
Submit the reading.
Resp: **5:08:54**
